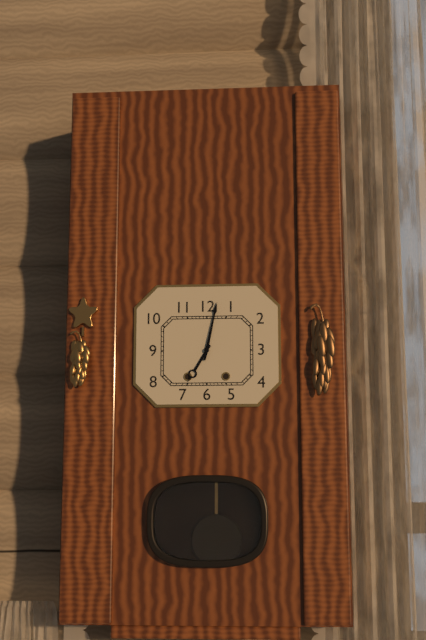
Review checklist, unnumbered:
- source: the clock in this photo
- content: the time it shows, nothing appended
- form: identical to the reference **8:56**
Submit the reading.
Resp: **7:02**
